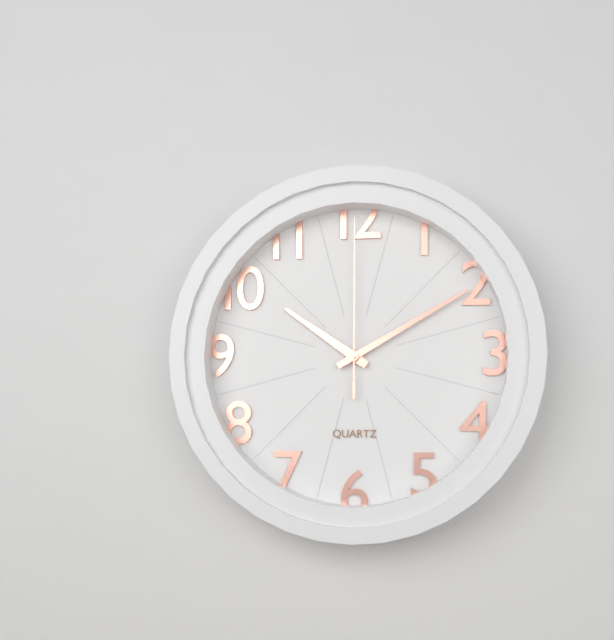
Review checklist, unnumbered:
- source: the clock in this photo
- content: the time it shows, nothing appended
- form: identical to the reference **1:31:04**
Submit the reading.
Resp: **10:10:00**
